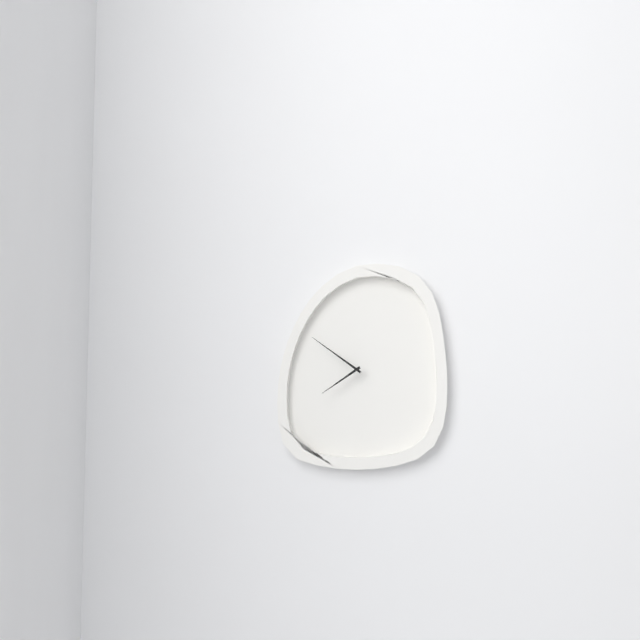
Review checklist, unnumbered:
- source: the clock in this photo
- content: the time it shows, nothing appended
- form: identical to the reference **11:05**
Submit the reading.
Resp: **7:51**
